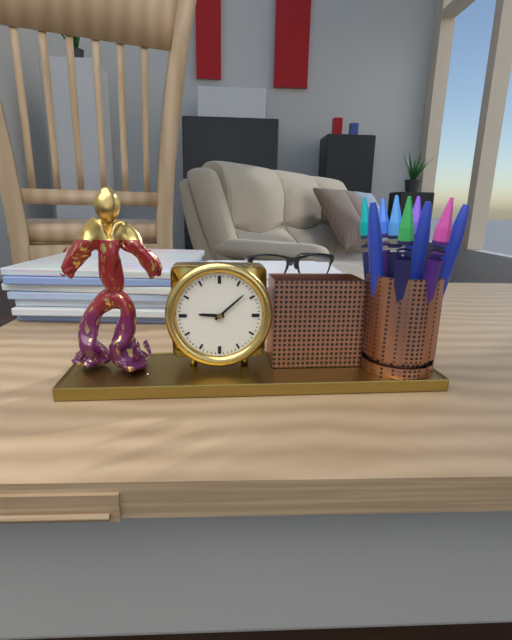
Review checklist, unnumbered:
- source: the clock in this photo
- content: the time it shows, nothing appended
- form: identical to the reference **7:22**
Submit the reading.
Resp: **9:08**
